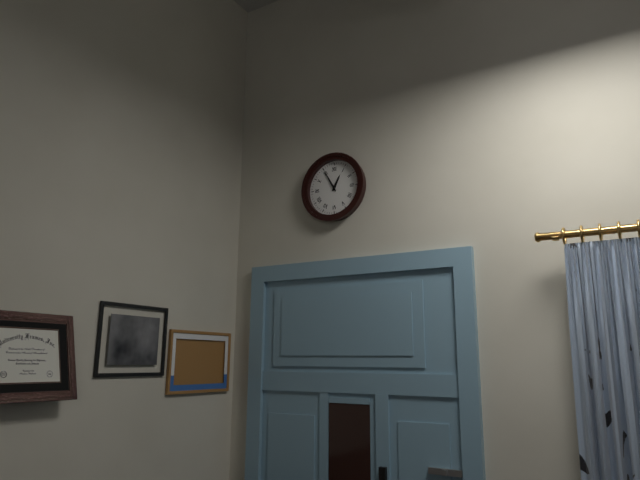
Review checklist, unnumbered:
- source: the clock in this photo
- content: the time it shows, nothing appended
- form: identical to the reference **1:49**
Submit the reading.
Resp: **12:55**
